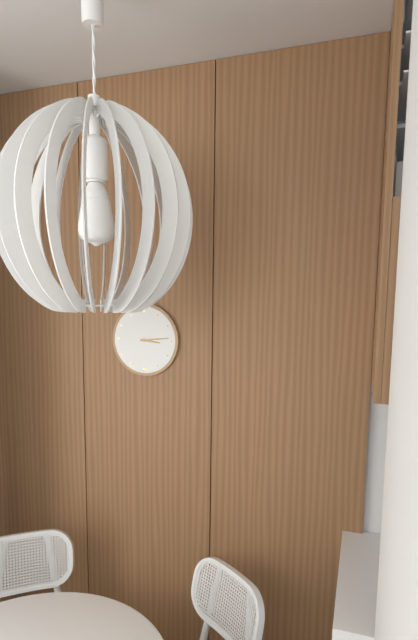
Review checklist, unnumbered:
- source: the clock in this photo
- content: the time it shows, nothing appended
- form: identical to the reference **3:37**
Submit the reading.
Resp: **3:14**
